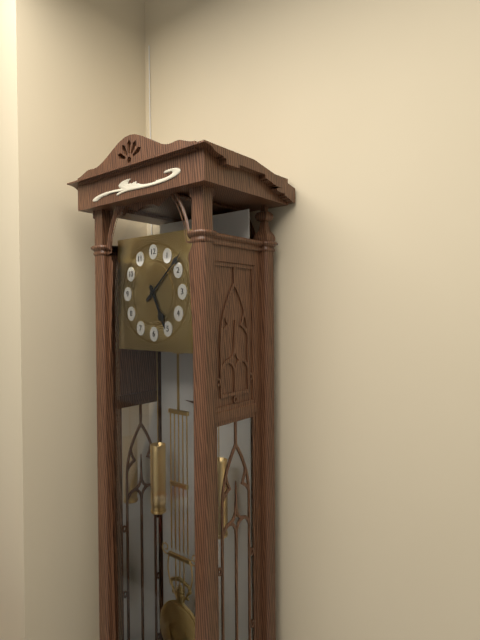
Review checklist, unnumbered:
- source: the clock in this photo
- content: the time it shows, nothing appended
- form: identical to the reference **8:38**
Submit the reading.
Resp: **5:08**
